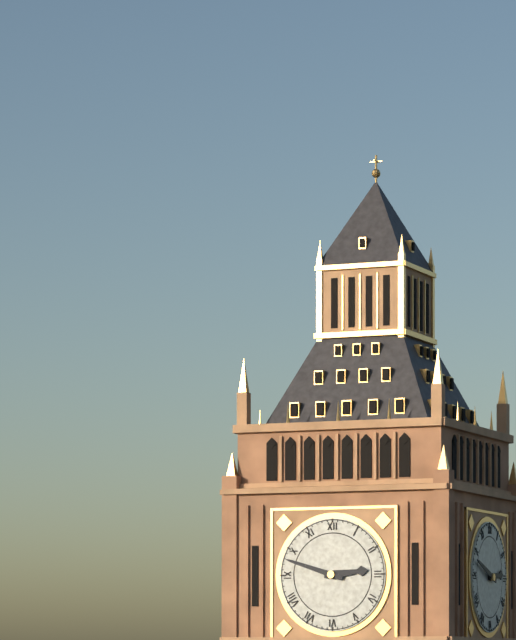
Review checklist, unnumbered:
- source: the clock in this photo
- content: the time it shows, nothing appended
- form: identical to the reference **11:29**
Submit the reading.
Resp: **2:48**
